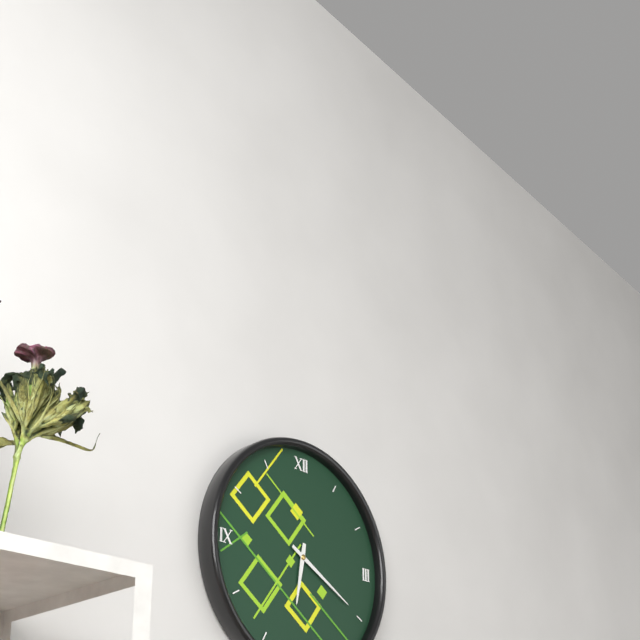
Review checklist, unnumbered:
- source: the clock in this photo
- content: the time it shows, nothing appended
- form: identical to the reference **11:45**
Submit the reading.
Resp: **6:20**
